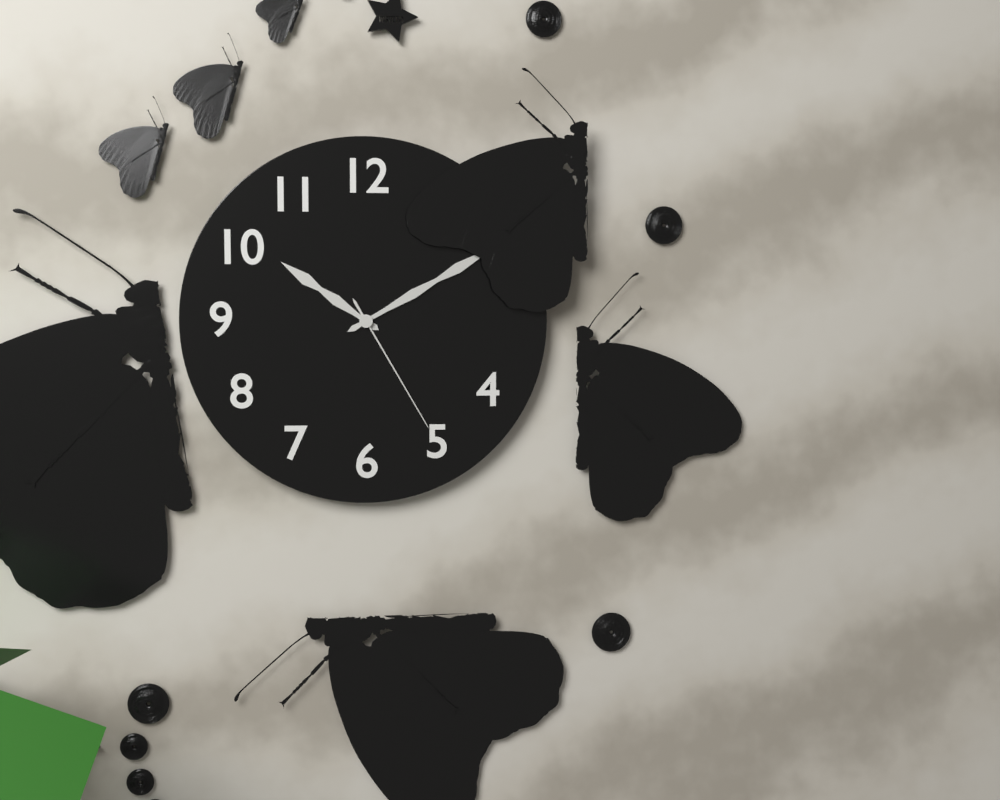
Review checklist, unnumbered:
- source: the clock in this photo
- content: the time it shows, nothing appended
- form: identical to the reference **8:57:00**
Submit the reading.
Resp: **10:10:25**
